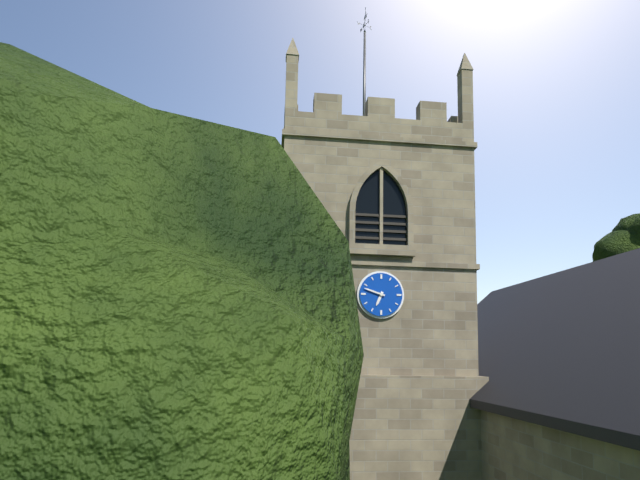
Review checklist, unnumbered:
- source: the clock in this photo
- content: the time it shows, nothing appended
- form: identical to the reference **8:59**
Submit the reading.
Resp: **6:48**
